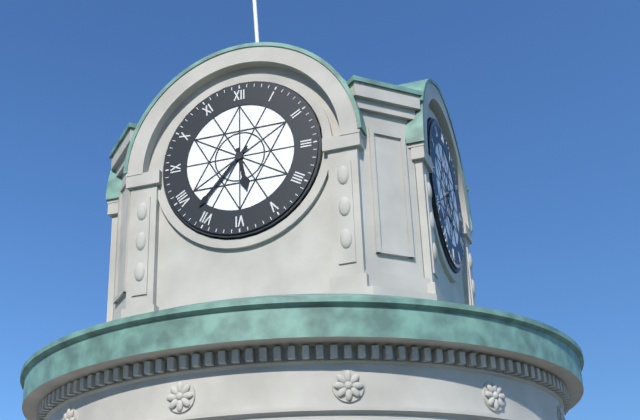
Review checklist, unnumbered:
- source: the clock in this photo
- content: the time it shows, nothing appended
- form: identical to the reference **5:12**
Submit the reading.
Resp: **5:37**
